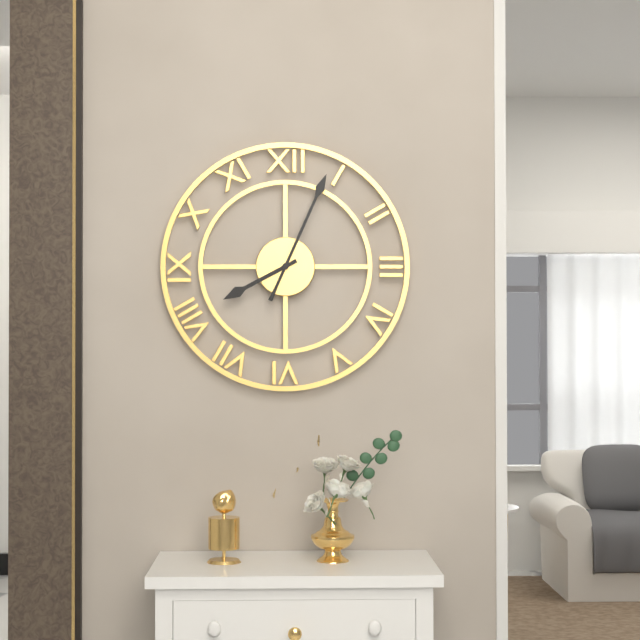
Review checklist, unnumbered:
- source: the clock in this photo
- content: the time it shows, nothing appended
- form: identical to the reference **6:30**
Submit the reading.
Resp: **8:04**
